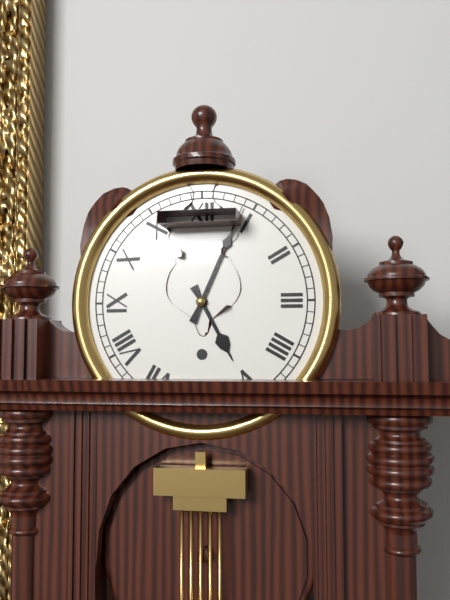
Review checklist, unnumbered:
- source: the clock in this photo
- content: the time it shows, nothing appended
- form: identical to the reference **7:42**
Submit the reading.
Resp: **5:04**
